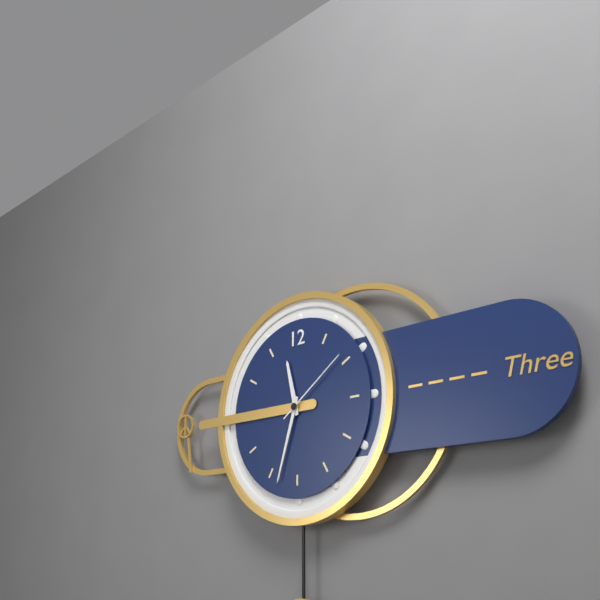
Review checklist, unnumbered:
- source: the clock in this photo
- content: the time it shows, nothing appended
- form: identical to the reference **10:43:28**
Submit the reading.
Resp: **11:33:09**
